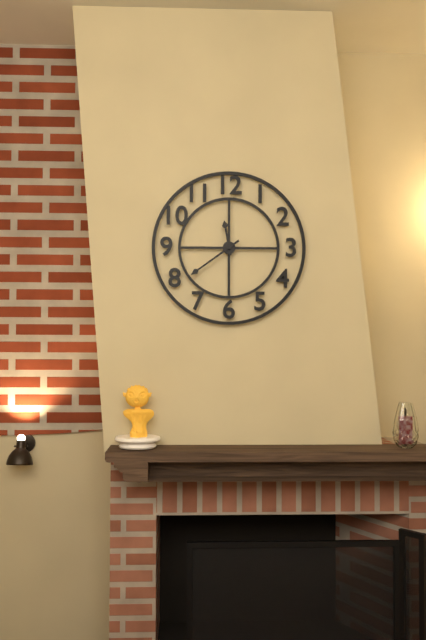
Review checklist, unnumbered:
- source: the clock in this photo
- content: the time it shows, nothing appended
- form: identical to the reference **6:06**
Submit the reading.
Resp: **11:39**
